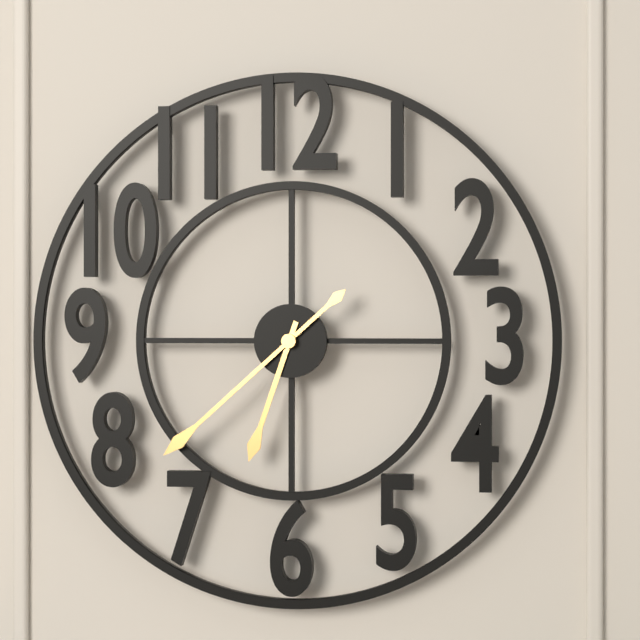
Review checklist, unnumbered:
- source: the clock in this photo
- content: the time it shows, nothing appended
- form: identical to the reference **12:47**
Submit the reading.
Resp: **6:38**
